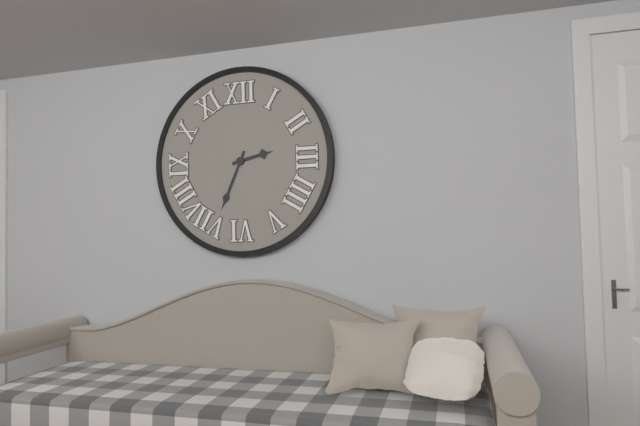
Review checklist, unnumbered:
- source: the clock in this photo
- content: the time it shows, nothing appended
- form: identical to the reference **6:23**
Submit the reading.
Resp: **2:34**
